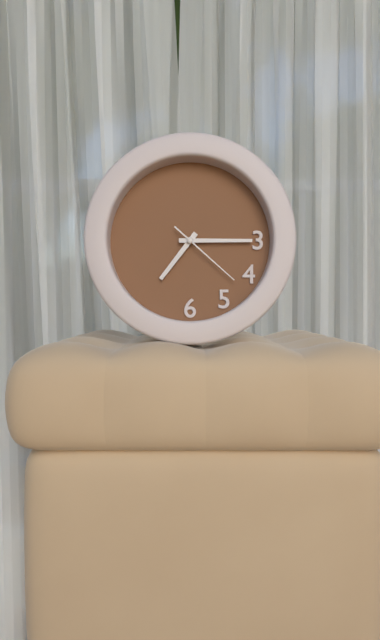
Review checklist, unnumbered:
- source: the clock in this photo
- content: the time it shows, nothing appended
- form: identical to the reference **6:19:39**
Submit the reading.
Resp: **7:15:22**
